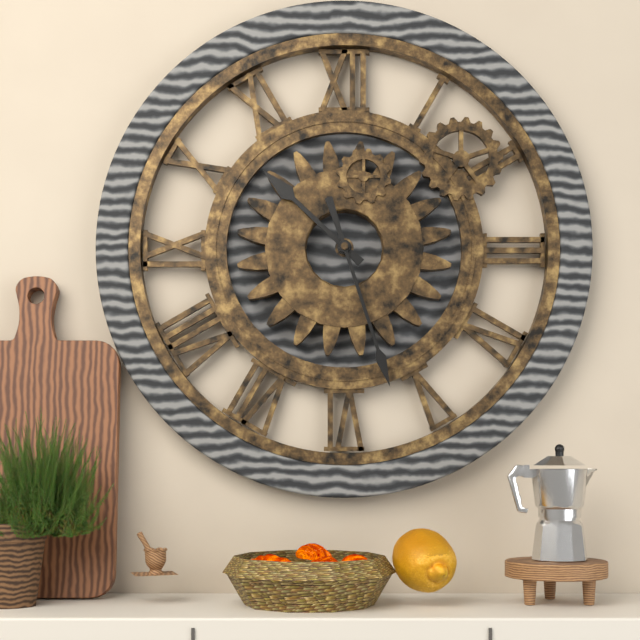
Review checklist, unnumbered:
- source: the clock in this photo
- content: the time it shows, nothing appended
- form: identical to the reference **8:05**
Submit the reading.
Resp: **10:27**
